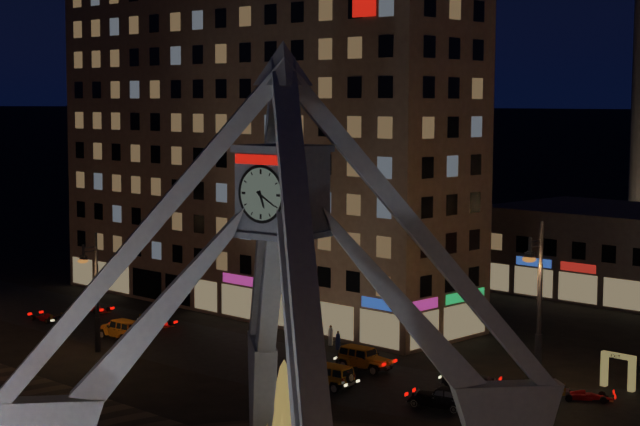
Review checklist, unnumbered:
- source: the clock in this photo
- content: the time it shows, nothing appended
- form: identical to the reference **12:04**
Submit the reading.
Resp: **5:20**
